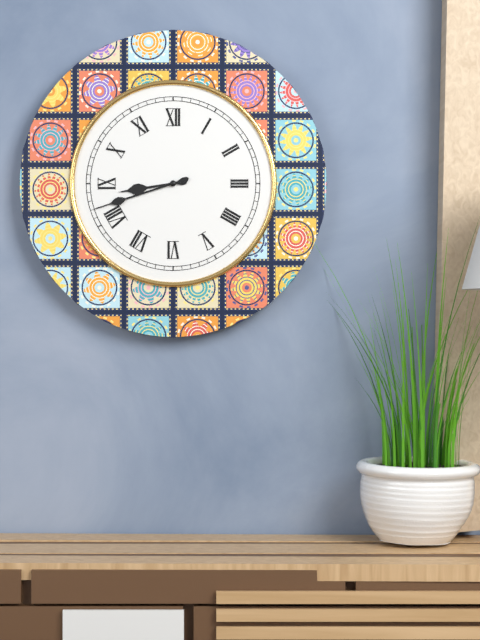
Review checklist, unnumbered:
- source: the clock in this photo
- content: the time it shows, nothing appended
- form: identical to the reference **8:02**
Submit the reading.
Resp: **8:42**
